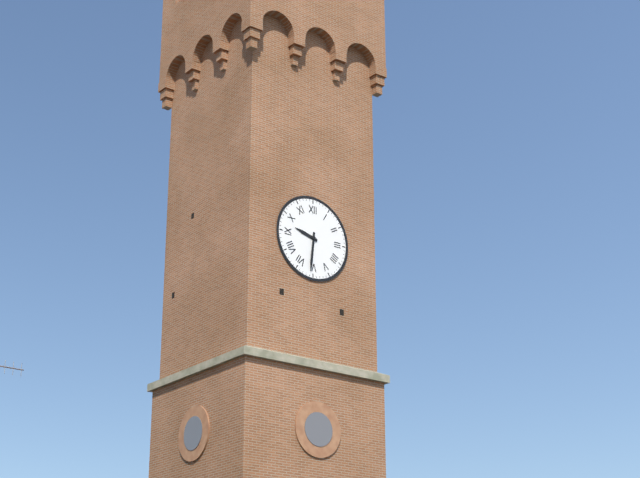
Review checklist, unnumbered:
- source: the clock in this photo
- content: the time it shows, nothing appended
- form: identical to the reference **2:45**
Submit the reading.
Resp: **9:31**
